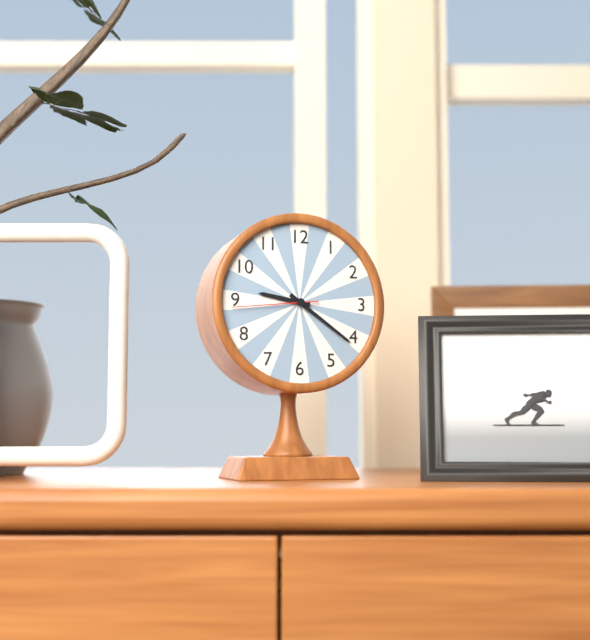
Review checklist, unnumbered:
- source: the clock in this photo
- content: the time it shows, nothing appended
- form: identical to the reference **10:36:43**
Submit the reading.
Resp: **9:21:44**
